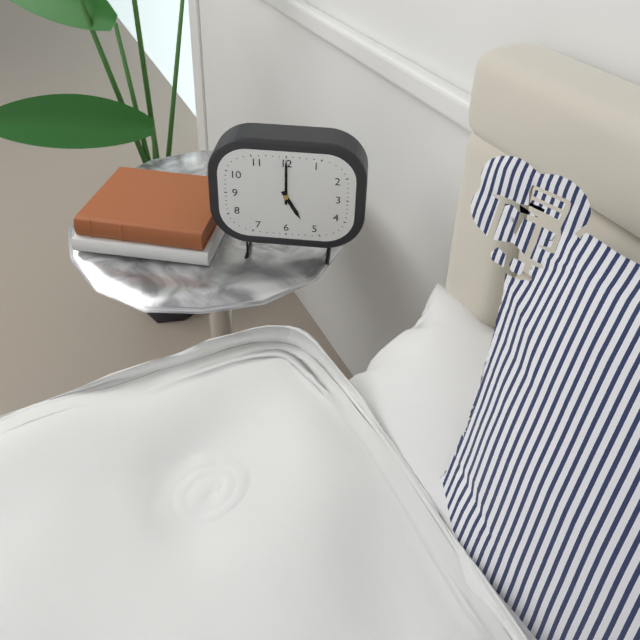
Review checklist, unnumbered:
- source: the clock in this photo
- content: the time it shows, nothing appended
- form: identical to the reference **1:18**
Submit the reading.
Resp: **5:00**
